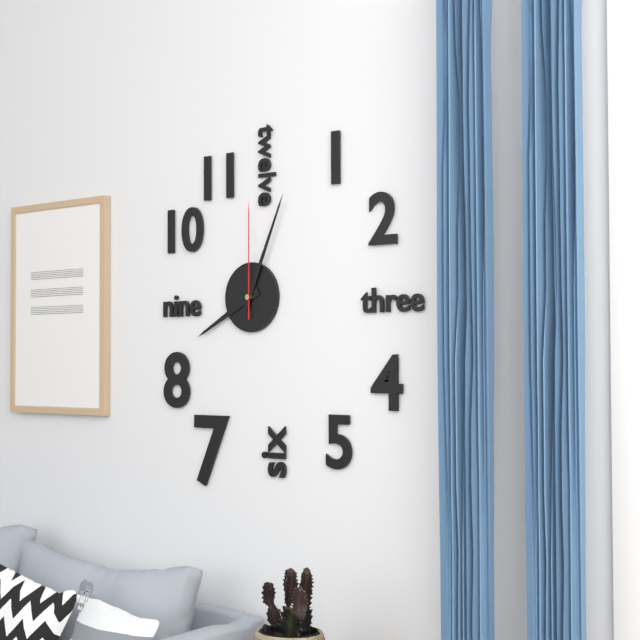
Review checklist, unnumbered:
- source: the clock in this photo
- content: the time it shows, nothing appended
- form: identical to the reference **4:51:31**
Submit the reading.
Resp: **8:04:00**
